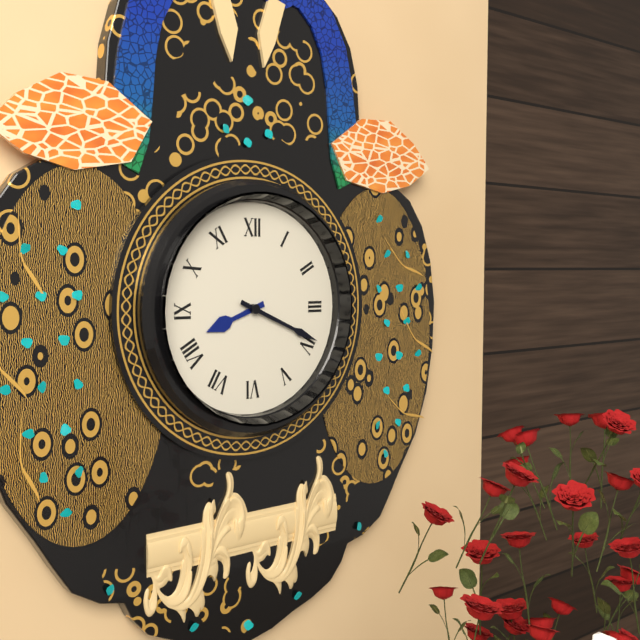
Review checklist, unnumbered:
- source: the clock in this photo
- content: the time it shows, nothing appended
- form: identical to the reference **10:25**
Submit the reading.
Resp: **8:19**
